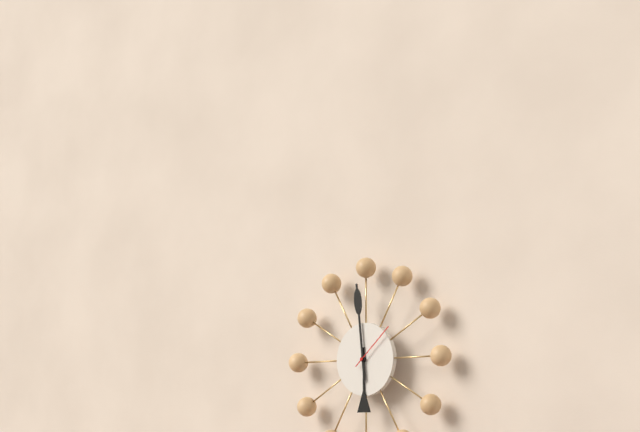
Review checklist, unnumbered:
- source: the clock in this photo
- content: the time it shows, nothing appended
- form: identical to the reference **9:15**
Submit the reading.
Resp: **5:59**
